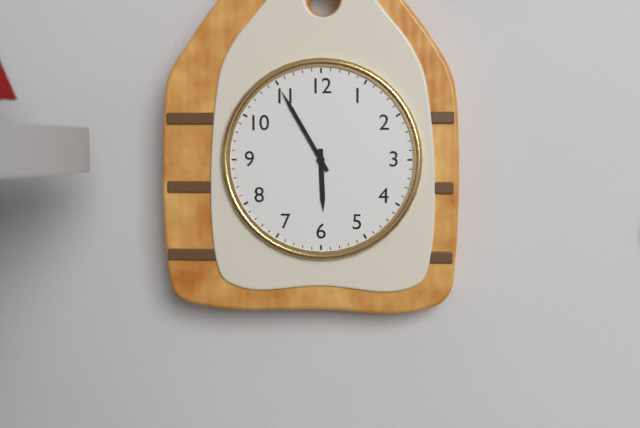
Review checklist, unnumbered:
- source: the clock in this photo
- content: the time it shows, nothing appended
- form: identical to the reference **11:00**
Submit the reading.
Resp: **5:55**
